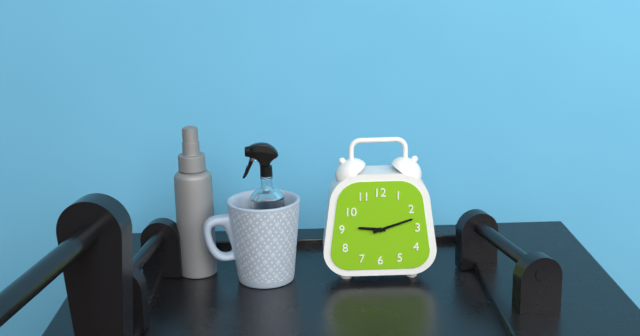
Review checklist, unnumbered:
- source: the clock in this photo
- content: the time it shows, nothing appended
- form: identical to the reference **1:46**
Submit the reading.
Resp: **9:12**
